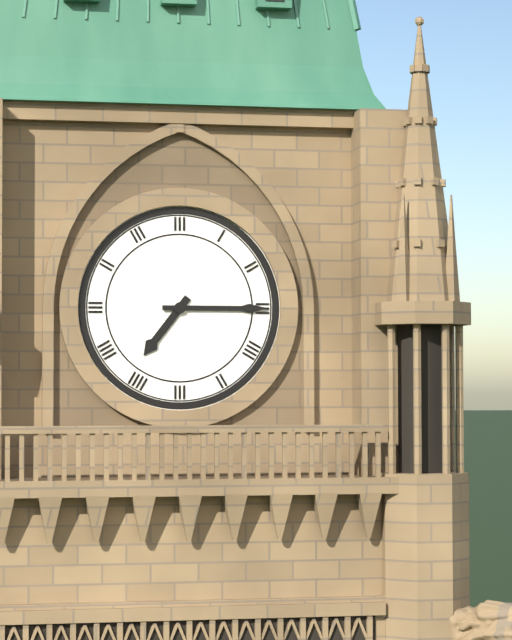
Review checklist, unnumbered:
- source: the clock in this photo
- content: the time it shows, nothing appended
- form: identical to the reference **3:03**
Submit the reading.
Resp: **7:15**
